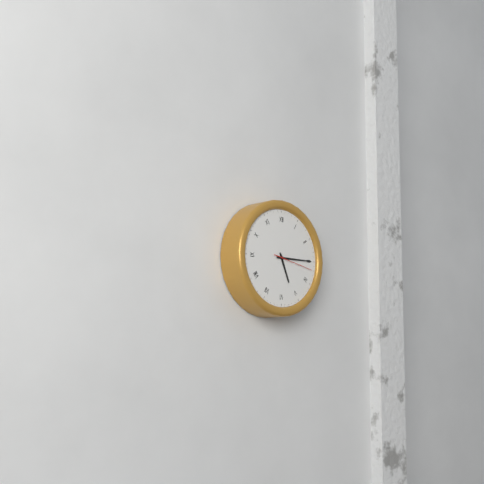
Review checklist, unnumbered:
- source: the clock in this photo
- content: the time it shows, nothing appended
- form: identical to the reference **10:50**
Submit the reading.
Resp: **5:15**
